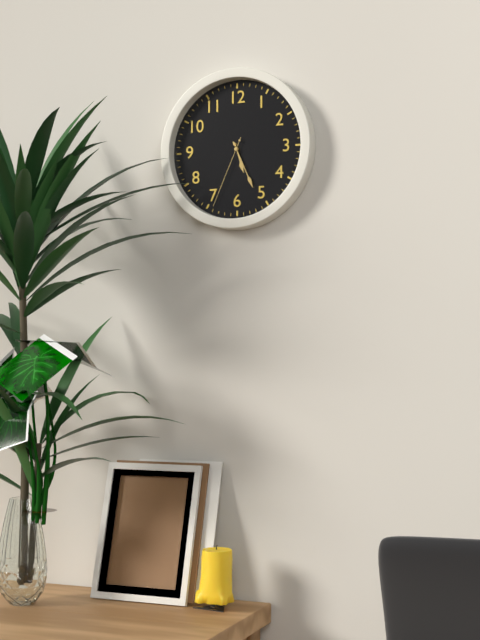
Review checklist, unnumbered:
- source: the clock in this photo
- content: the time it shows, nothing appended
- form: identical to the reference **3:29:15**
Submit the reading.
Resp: **5:26:34**
